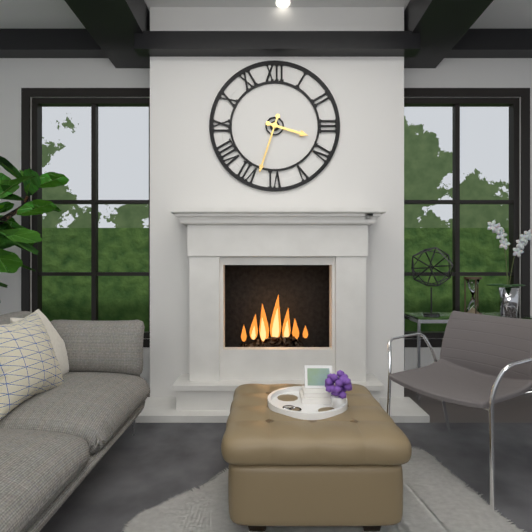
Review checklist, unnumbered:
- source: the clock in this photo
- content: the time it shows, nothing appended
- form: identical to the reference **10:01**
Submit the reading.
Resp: **3:33**
